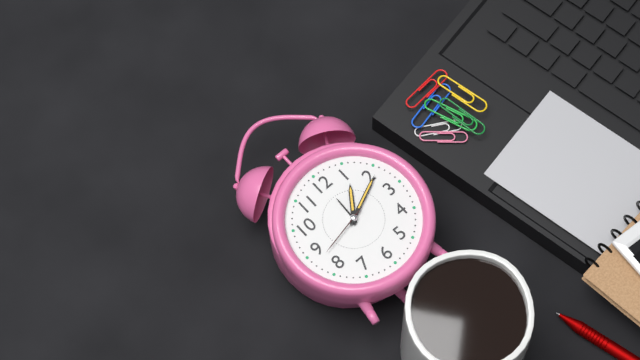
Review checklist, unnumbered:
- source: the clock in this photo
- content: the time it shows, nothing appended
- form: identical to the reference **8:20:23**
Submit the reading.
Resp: **1:11:43**
